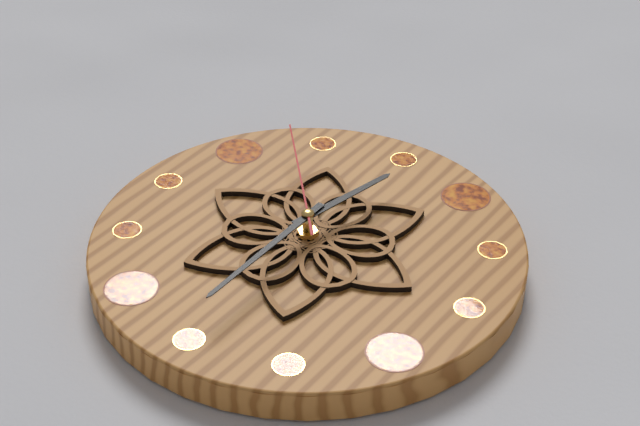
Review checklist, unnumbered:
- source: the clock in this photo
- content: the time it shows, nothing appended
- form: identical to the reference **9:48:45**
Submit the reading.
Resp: **11:25:48**
